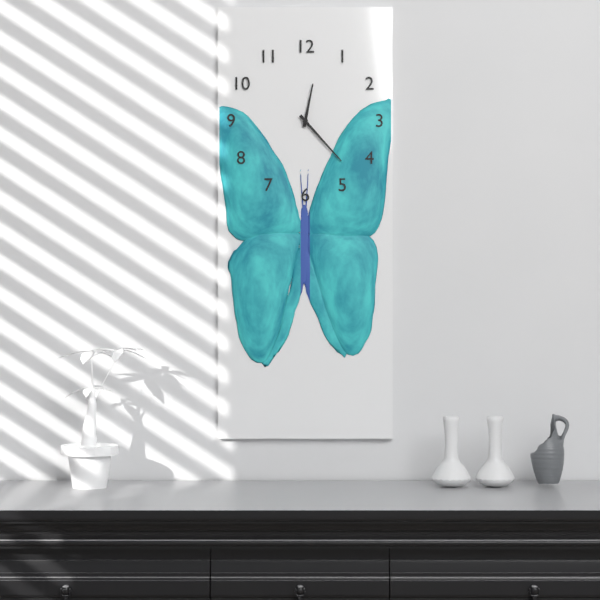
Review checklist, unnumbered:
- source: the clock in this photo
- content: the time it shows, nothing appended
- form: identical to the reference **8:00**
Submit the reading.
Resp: **12:23**
